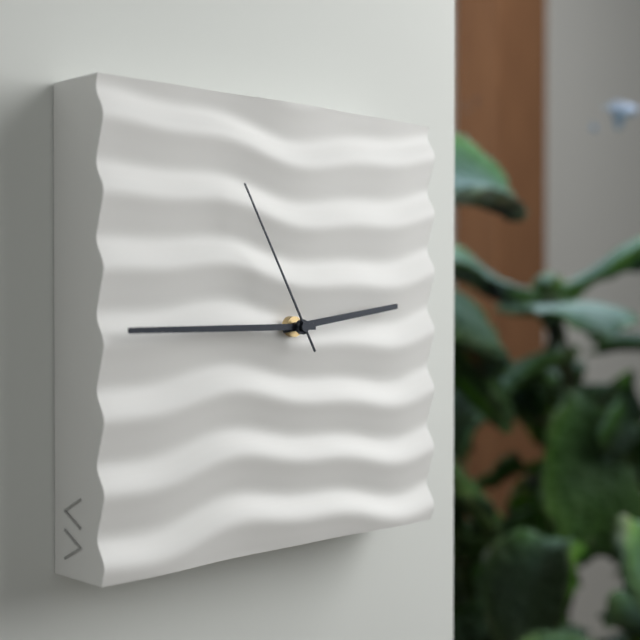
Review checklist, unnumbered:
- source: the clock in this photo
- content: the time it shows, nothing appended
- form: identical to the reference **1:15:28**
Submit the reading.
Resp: **2:45:55**
